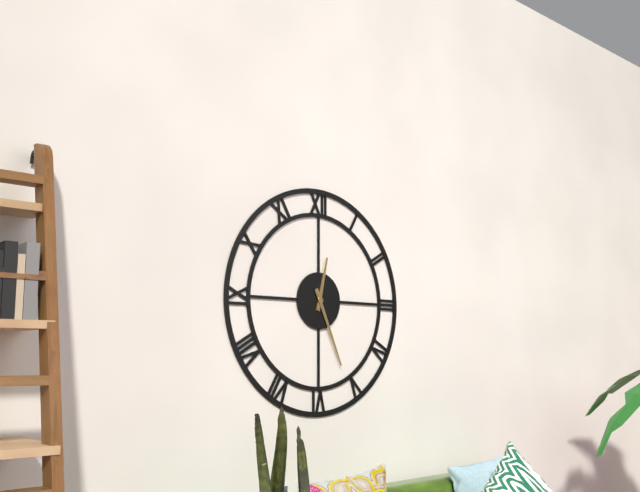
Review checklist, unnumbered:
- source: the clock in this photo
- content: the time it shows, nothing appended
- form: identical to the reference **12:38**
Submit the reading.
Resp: **12:26**
